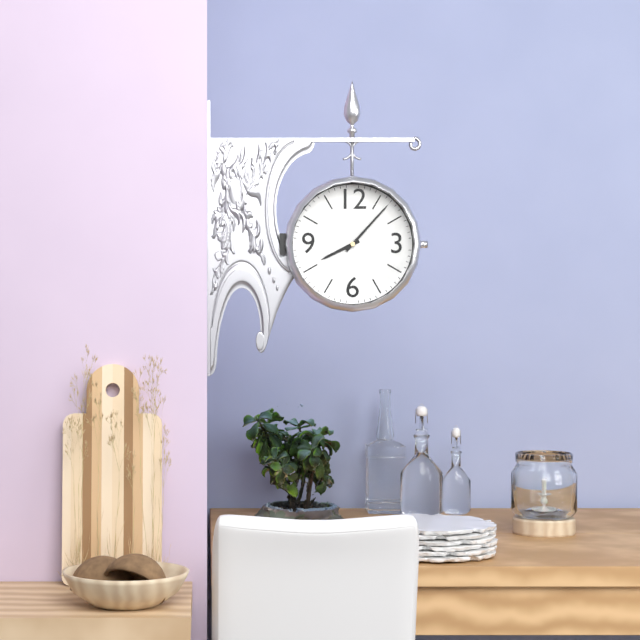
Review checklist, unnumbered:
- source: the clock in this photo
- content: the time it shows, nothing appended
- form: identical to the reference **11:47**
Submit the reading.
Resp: **8:07**
